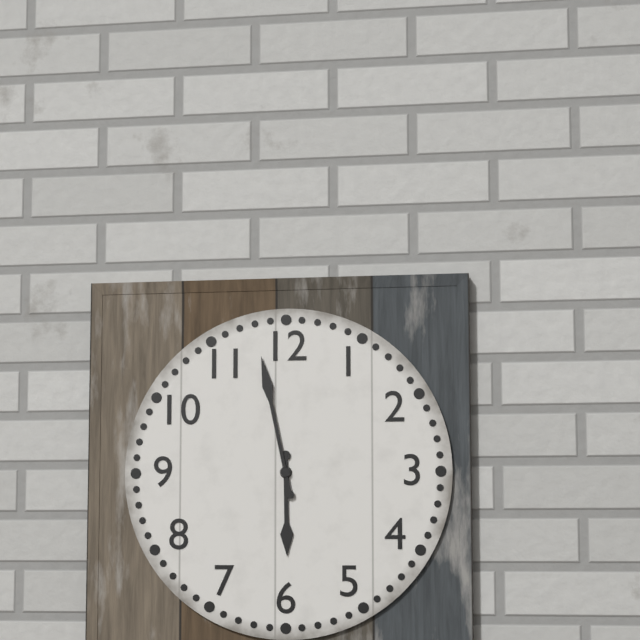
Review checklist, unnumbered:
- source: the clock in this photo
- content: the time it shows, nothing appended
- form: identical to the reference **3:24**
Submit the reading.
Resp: **5:58**
